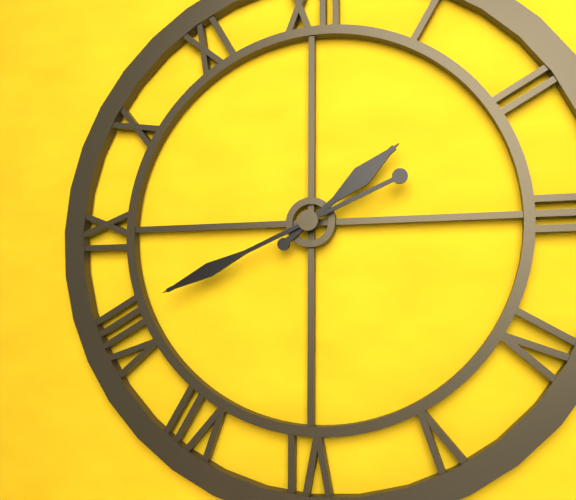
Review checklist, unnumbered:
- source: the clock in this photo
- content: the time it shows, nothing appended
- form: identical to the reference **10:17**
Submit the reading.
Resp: **1:41**
